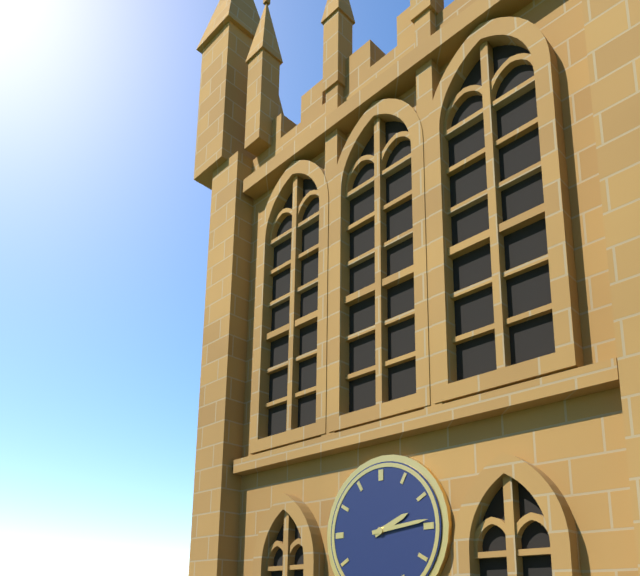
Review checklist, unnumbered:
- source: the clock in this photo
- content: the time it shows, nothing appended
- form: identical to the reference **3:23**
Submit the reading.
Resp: **2:14**
